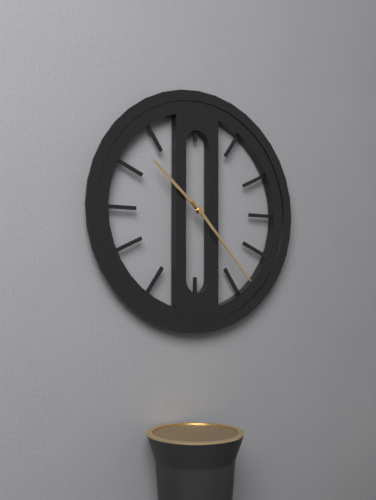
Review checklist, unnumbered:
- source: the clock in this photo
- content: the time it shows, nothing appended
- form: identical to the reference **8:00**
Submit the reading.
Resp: **10:23**
